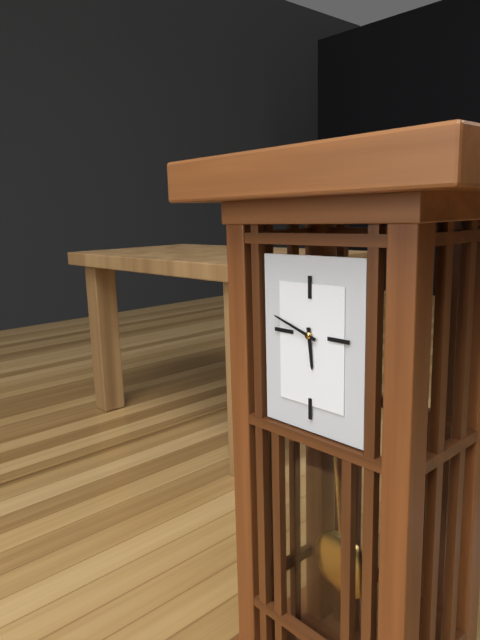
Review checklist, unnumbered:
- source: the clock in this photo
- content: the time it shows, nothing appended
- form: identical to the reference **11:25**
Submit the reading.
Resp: **5:48**
